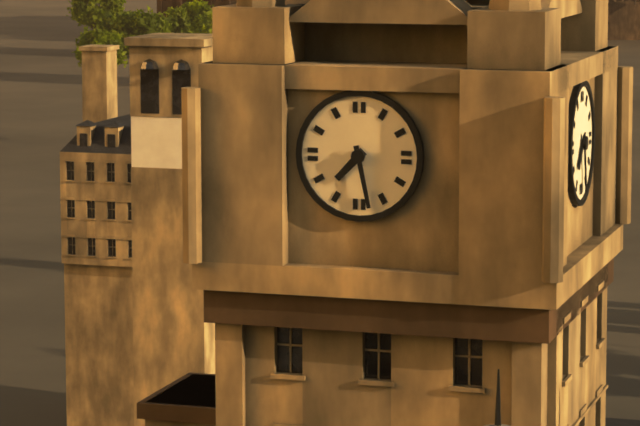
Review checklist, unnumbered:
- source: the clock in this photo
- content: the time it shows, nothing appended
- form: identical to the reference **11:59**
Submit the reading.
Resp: **7:28**
